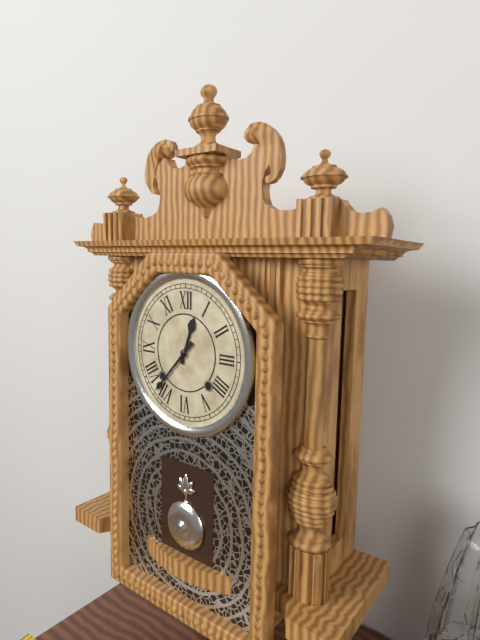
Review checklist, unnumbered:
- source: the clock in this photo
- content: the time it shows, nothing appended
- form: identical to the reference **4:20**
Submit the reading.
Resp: **12:37**
